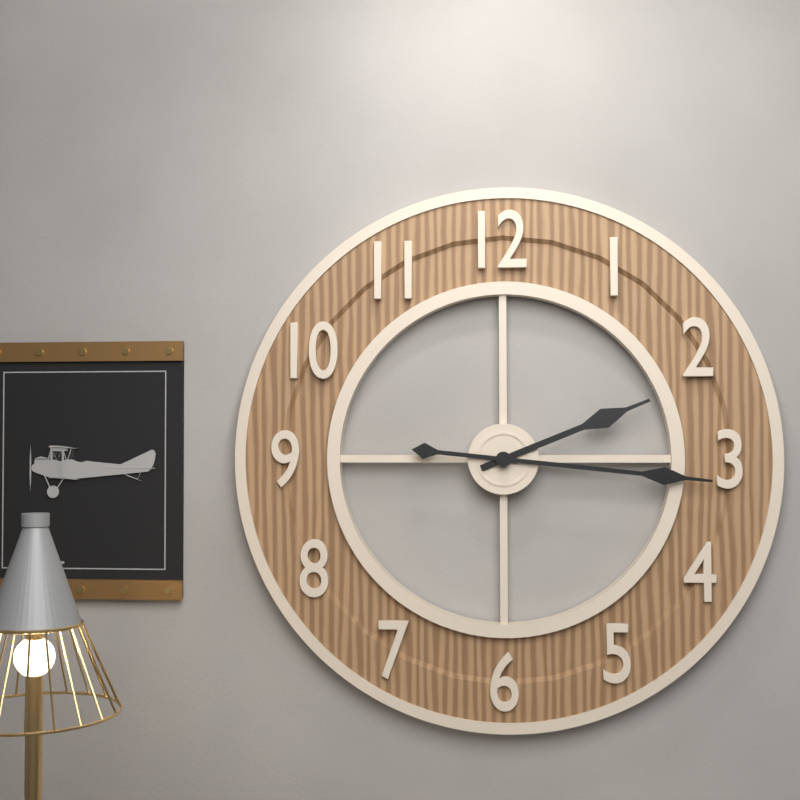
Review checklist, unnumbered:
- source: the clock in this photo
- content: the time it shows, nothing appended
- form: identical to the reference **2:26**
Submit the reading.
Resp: **2:16**
